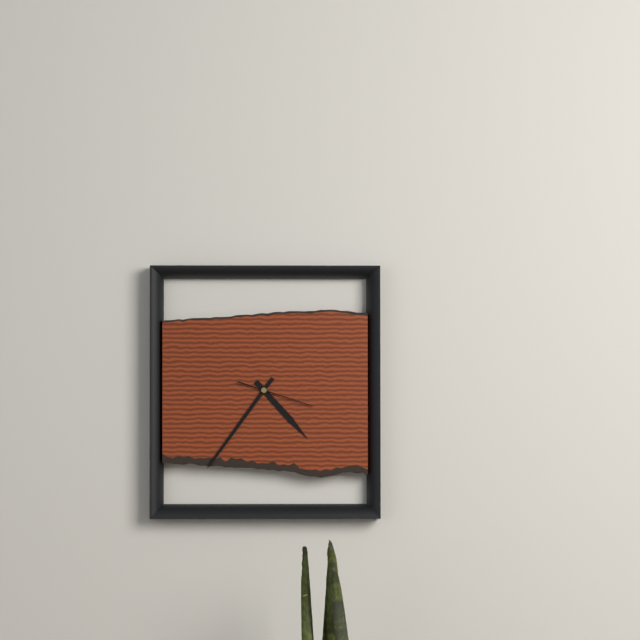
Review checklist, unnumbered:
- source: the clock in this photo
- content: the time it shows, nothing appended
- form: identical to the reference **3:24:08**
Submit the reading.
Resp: **4:36:18**
